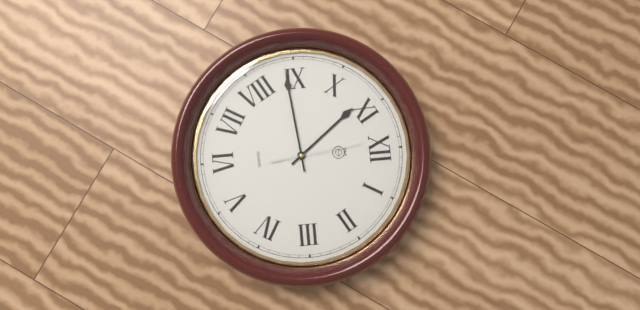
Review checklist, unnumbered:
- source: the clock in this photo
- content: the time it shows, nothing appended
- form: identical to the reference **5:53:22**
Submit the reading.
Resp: **10:44:59**
